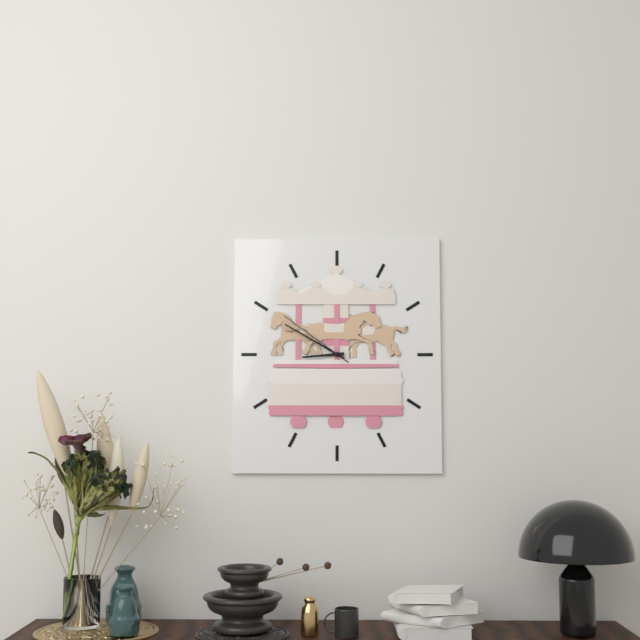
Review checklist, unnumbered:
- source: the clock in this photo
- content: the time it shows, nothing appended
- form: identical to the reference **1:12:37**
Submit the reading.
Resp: **8:50:51**
